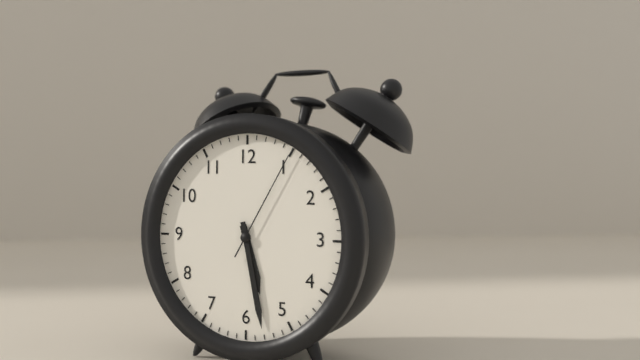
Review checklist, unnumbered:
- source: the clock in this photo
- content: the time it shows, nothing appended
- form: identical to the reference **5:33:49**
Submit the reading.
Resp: **5:28:05**
